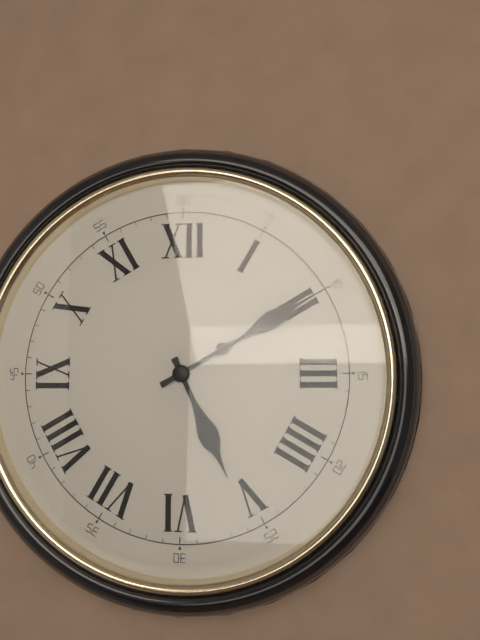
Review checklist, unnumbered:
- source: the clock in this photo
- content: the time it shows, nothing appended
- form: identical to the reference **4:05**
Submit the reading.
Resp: **5:10**
